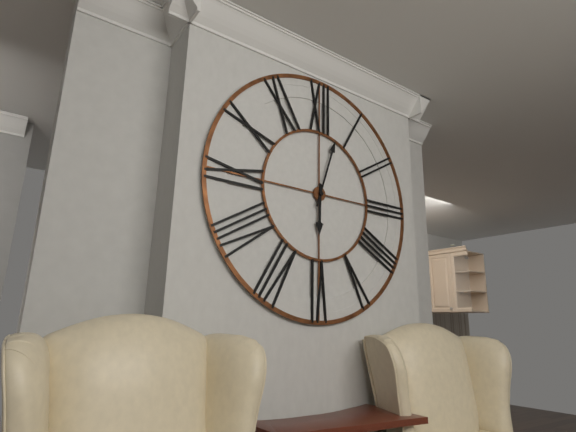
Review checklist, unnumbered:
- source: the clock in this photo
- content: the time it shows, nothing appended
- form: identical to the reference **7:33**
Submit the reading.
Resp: **6:03**
